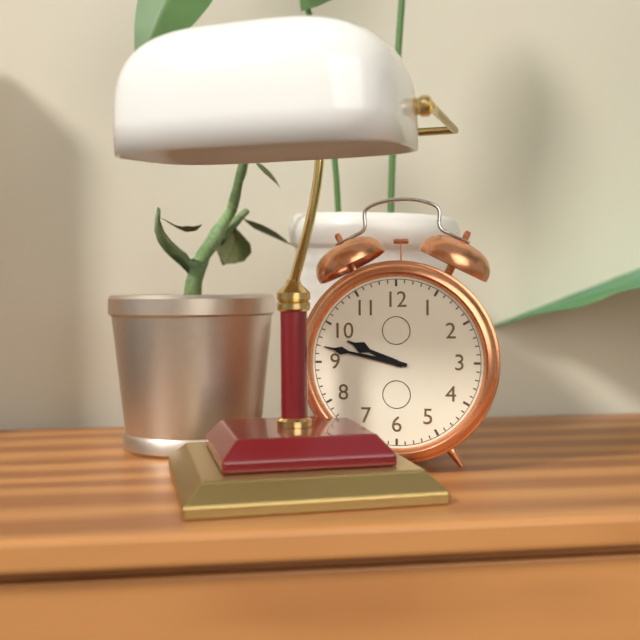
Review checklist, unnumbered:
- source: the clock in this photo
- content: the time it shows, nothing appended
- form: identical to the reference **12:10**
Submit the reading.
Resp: **9:47**
